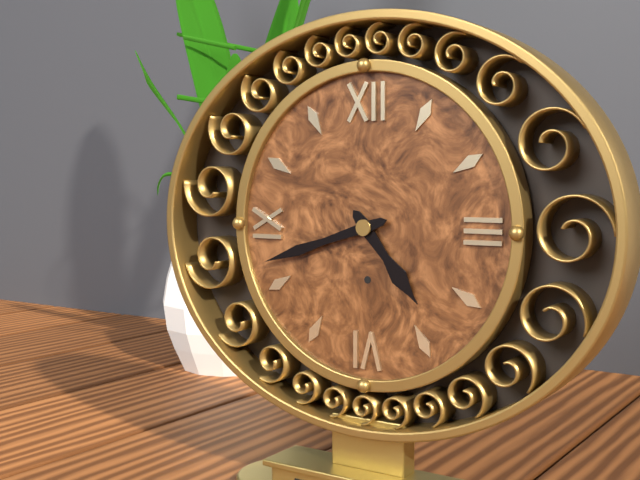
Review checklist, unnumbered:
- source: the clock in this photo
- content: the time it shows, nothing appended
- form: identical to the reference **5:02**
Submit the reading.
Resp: **4:42**
